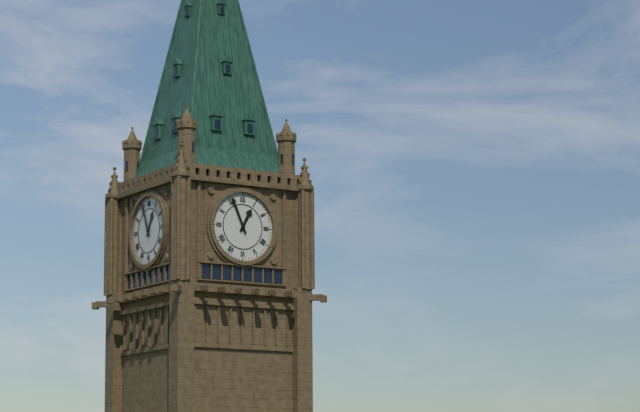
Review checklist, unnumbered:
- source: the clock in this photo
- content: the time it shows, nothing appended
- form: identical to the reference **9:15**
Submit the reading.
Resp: **12:56**
